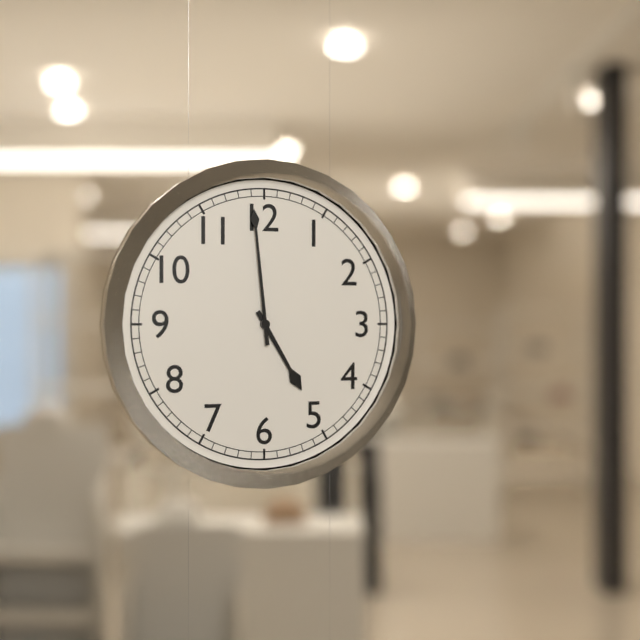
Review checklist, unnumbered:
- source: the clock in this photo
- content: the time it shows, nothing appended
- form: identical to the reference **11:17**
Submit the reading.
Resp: **4:59**
